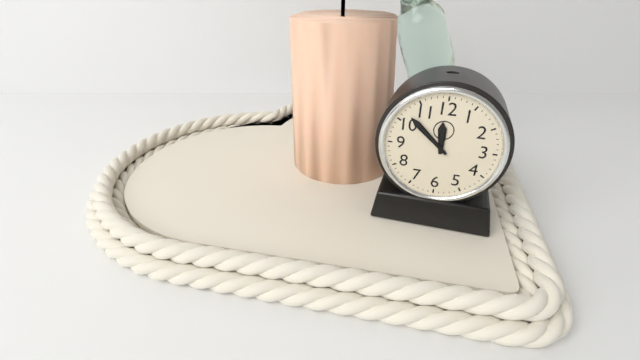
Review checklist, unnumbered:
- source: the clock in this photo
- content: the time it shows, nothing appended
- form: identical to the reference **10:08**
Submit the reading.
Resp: **11:52**
